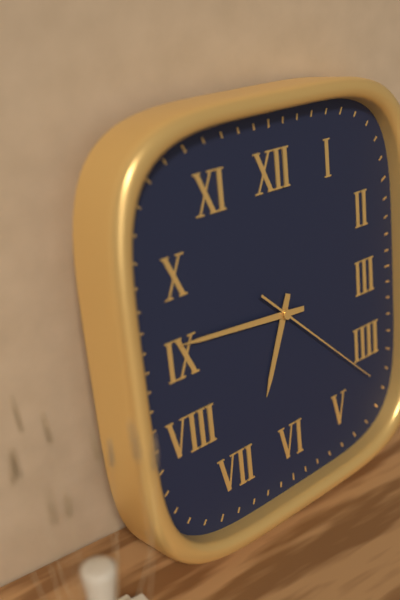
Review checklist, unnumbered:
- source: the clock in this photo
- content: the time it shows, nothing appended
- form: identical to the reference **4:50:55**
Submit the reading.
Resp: **6:46:22**
